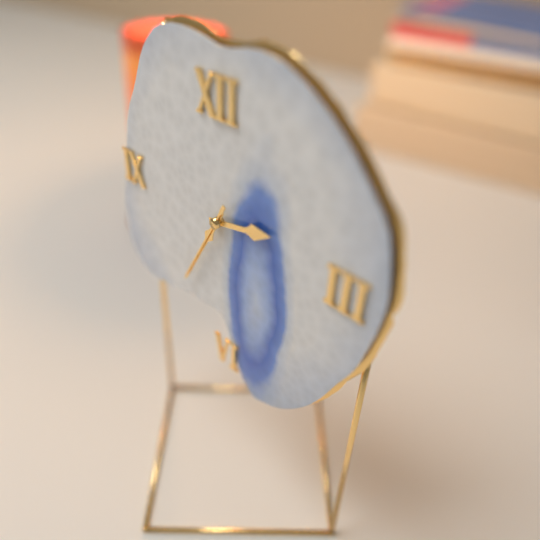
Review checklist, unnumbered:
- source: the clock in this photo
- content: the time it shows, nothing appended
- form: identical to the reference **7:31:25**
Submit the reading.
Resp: **2:35:35**
